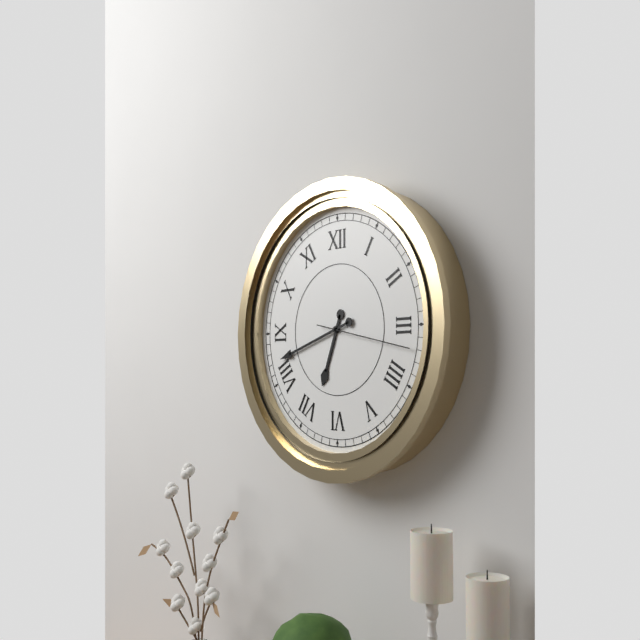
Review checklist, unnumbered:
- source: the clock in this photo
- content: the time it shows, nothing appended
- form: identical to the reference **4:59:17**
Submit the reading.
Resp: **6:42:17**
